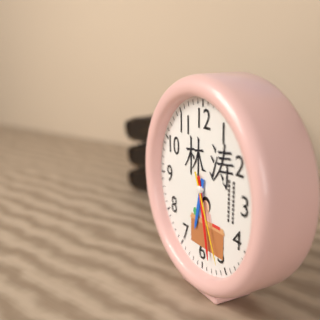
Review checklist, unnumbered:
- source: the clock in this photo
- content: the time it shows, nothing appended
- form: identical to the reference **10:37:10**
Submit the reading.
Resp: **6:28:26**
